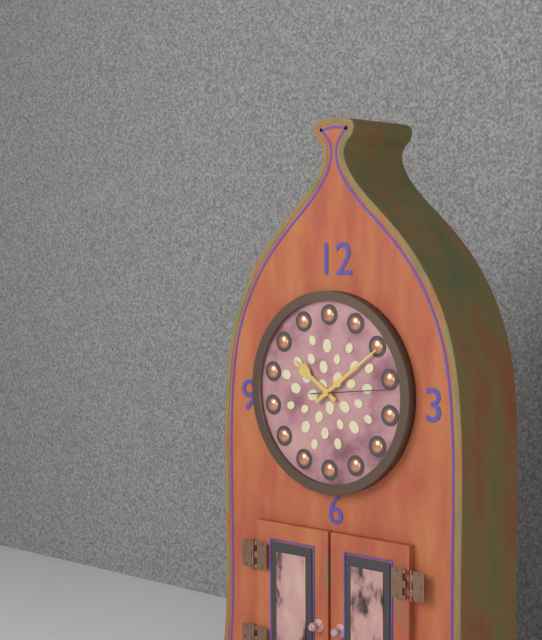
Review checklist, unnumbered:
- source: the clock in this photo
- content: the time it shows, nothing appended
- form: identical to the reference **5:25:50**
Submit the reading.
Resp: **10:09:14**
